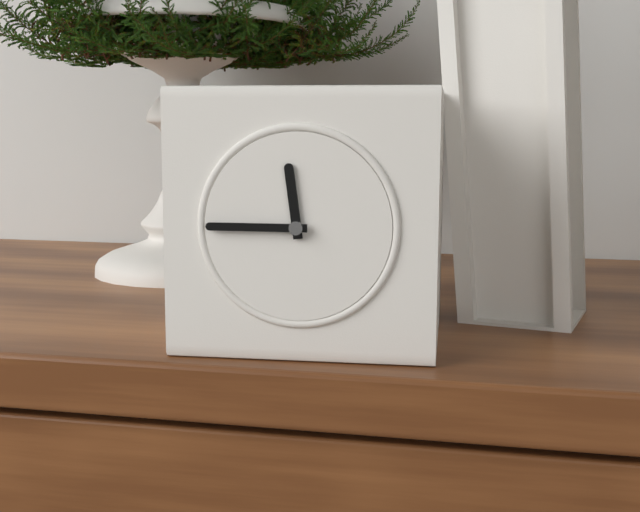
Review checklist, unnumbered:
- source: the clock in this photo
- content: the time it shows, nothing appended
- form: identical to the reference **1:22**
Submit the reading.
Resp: **11:45**
